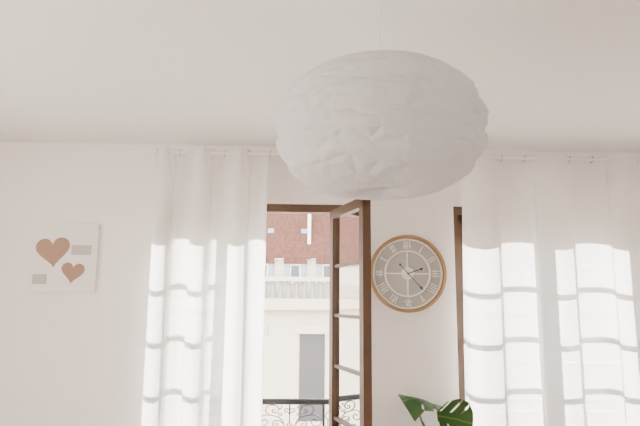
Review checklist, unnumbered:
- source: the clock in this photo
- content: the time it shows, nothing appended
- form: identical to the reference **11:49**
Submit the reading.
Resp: **2:23**
